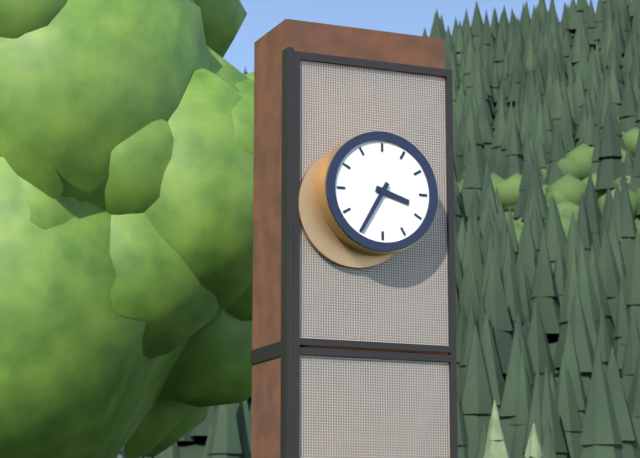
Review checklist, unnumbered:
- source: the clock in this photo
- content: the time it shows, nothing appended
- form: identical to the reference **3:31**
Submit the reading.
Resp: **3:35**
